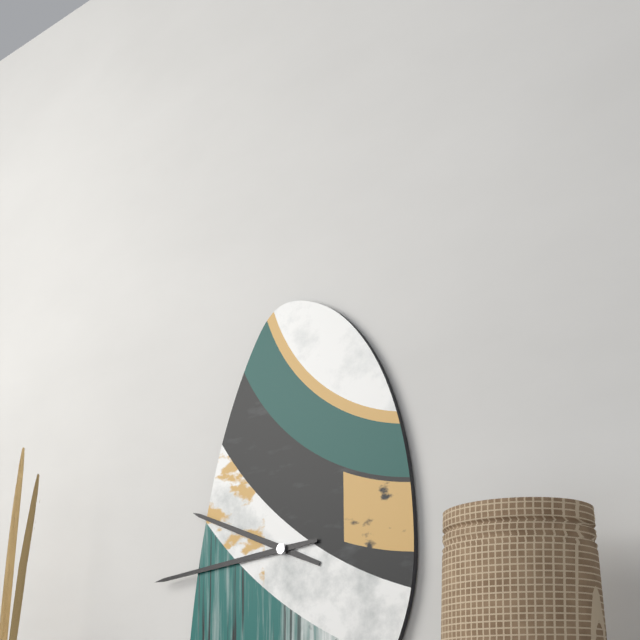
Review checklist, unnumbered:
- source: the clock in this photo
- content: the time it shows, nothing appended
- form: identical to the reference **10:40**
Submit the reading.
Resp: **9:44**
